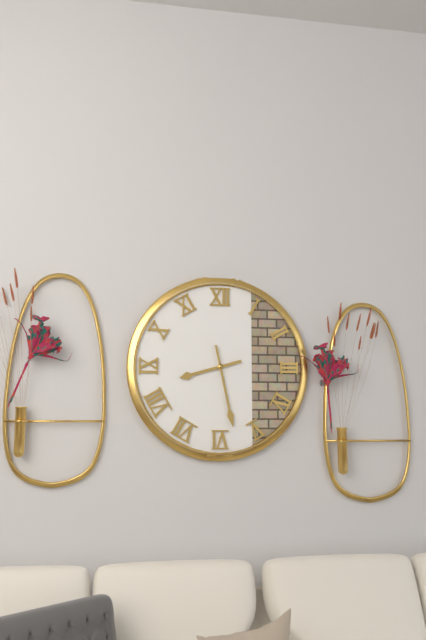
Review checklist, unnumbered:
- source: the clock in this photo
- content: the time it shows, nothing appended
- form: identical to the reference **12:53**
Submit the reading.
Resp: **8:28**
